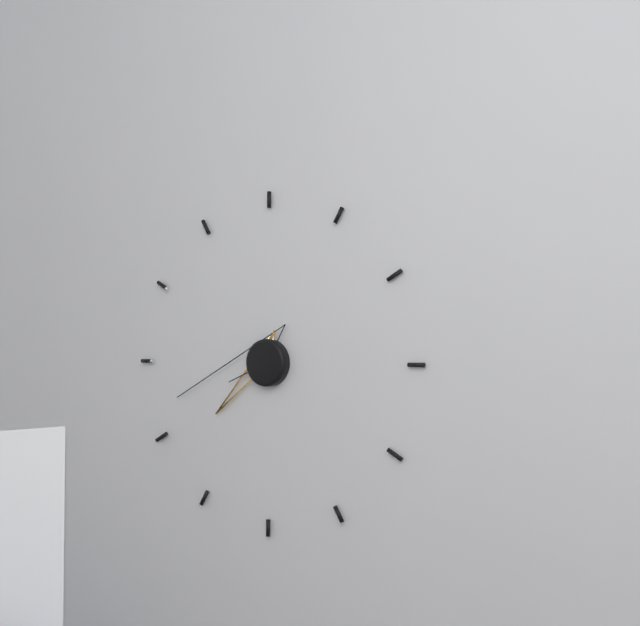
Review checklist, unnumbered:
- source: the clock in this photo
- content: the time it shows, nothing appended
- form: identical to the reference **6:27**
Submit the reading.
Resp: **7:42**
